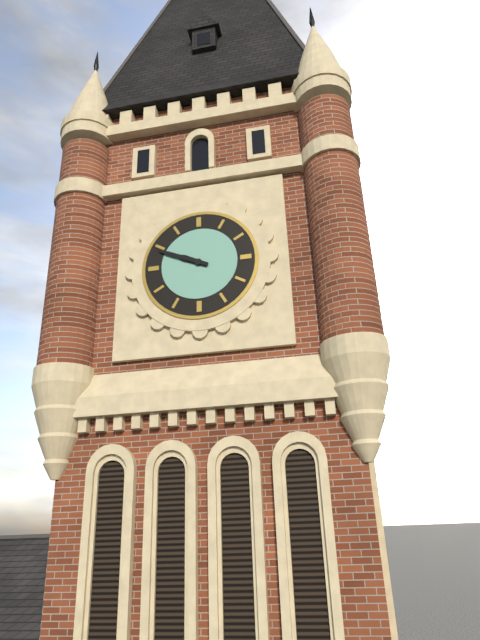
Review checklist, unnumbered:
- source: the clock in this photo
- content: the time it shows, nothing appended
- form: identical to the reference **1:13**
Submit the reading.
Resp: **9:49**
